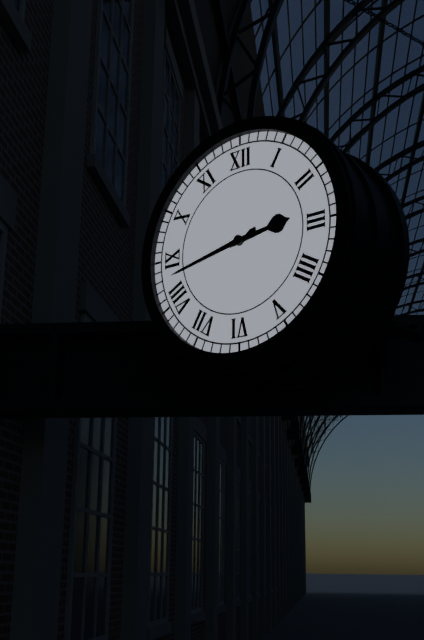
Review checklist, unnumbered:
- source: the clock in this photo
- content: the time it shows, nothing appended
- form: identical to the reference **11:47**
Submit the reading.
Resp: **2:43**
